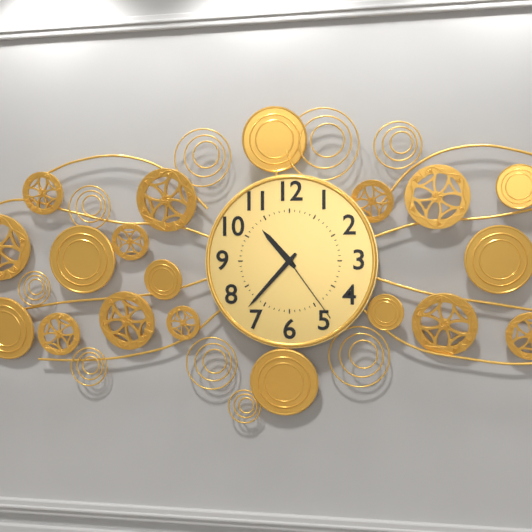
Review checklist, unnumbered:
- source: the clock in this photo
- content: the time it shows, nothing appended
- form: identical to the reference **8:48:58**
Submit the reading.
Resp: **10:37:24**
